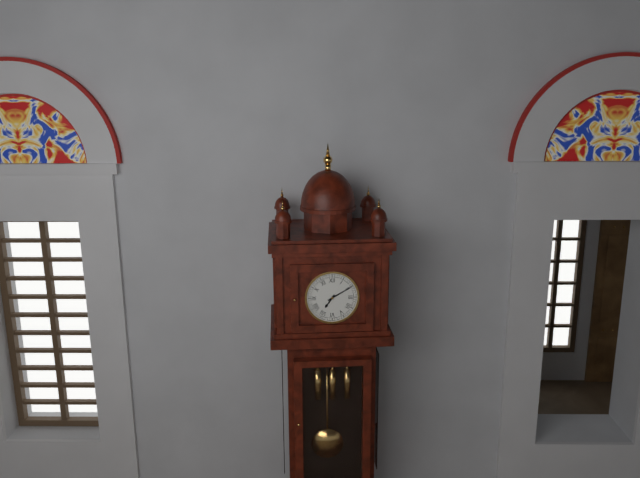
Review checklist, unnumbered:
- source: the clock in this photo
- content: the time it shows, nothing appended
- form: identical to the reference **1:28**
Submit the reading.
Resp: **7:10**
